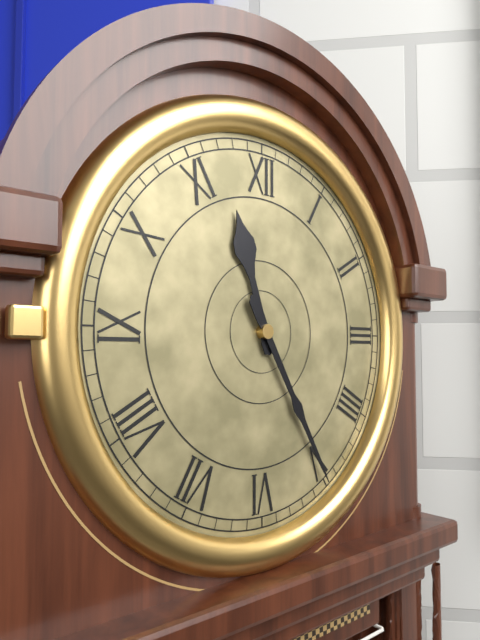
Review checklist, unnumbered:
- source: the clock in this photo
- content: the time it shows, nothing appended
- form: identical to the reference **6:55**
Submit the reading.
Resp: **11:25**
